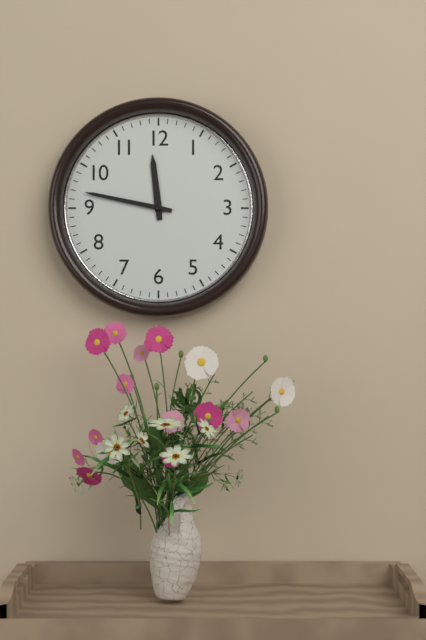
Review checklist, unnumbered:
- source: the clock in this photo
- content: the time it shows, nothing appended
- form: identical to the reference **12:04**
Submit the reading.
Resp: **11:47**
